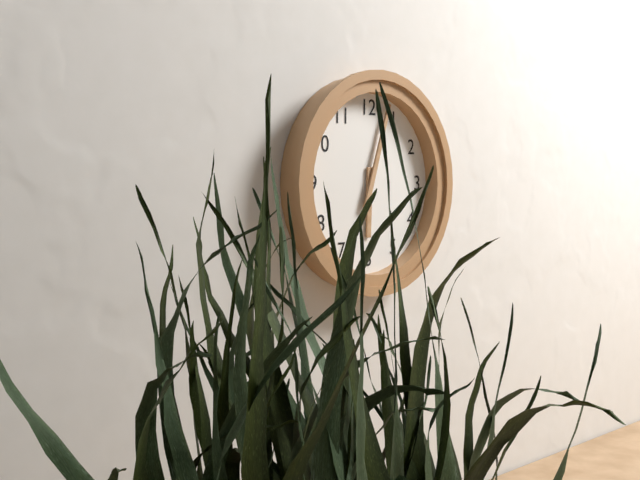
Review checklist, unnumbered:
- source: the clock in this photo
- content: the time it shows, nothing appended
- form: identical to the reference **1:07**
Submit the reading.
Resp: **6:03**
